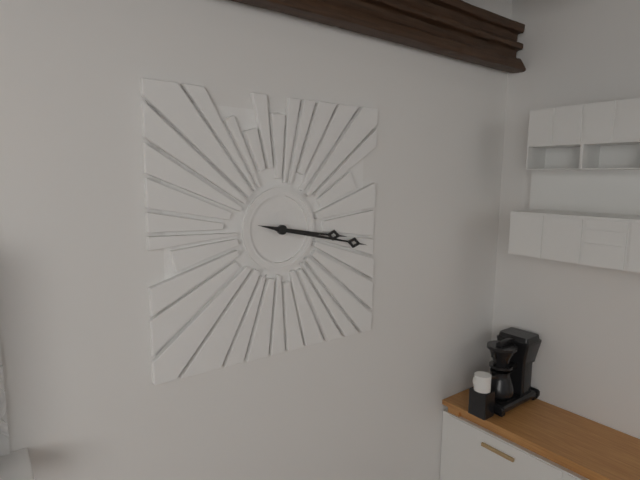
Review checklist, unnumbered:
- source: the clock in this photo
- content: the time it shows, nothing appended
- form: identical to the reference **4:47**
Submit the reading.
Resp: **3:17**
